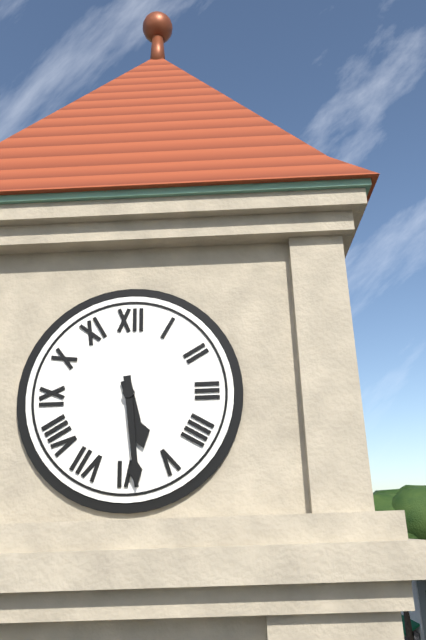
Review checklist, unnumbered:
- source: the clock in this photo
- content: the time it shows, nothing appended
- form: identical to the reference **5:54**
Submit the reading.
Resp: **5:29**
